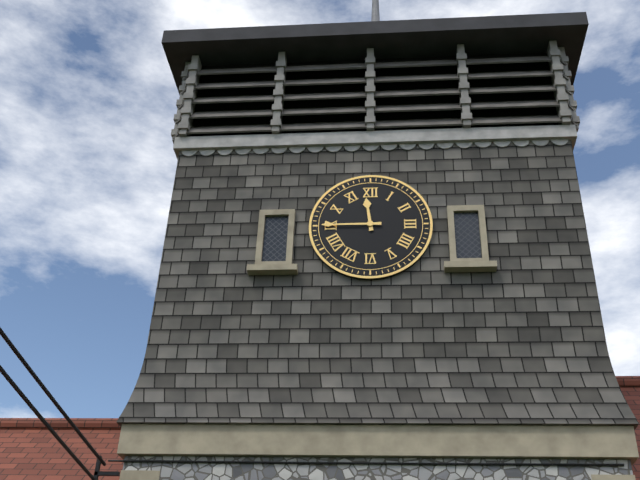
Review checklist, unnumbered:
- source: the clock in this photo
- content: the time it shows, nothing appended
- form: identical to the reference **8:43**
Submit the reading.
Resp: **11:45**
